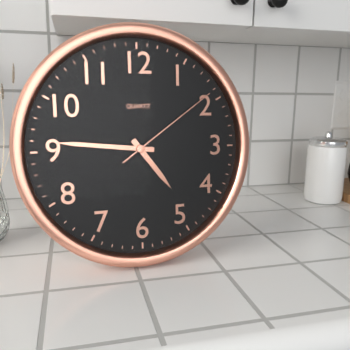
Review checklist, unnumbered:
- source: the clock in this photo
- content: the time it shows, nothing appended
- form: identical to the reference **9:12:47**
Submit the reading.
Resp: **4:46:09**
